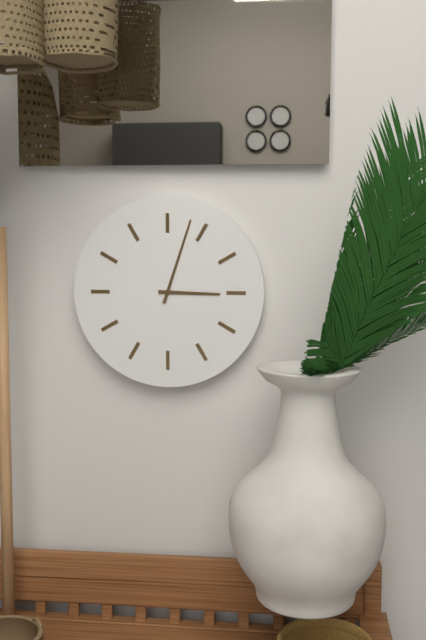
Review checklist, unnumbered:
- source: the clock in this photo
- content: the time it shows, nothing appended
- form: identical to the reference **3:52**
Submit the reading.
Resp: **3:03**
